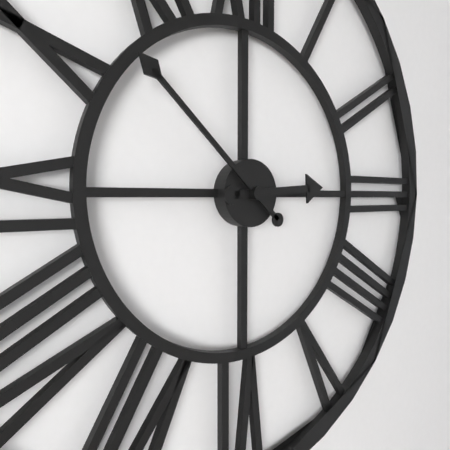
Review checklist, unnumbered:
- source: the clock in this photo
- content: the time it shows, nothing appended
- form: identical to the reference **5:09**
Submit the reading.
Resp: **2:52**
